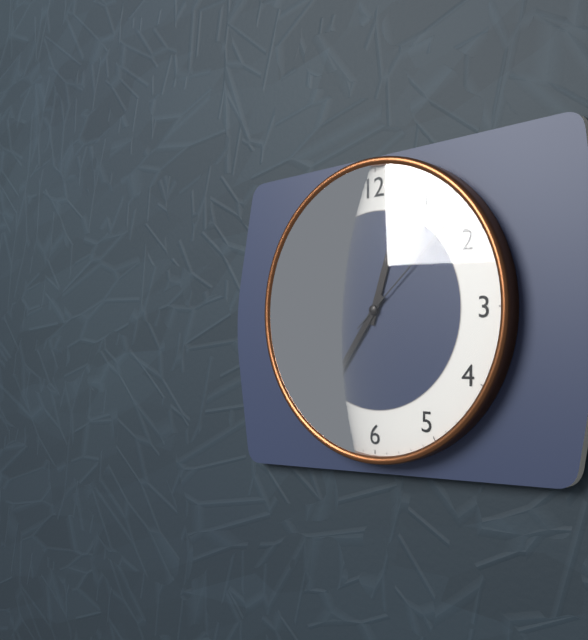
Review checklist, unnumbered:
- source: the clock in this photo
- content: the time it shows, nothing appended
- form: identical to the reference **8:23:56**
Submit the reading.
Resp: **12:36:08**
